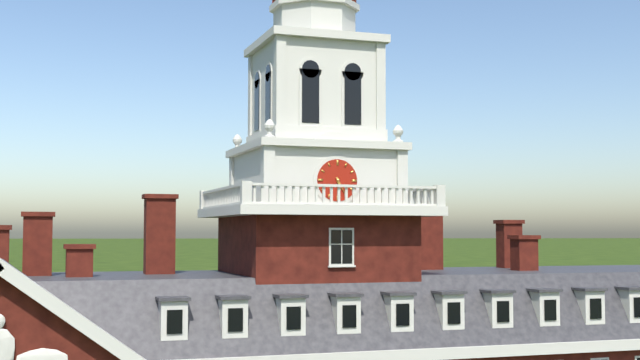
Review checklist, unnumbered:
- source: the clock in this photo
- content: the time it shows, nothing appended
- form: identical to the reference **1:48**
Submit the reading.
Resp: **5:25**
